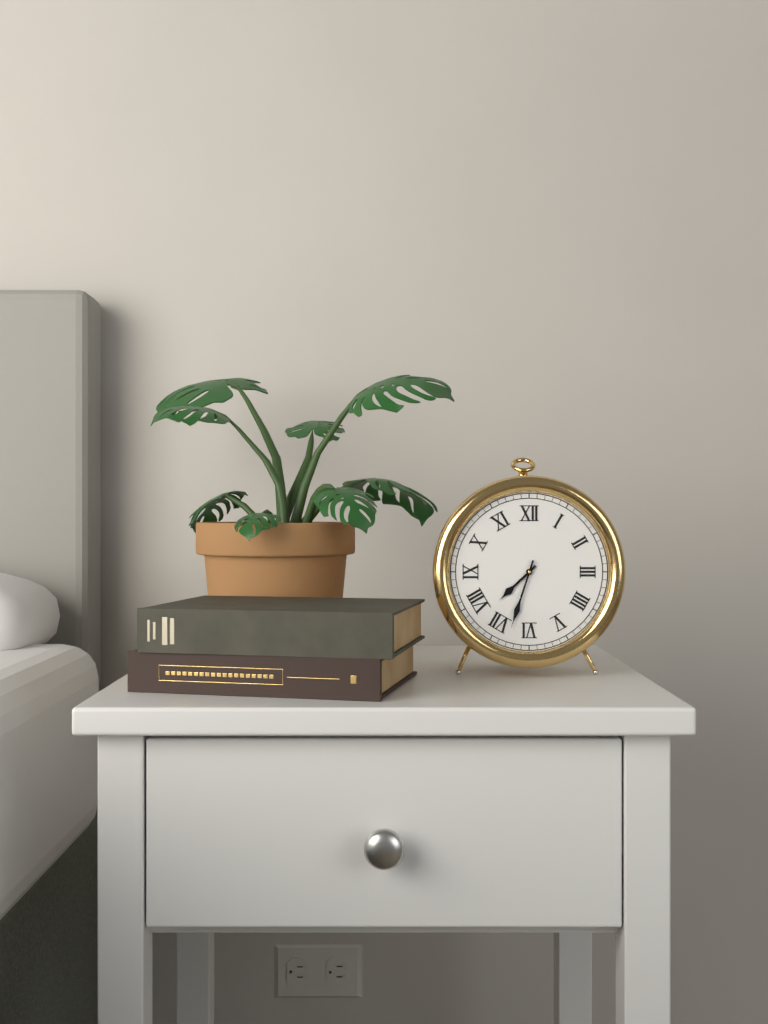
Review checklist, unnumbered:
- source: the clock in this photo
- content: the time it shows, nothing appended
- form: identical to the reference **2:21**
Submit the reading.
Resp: **7:33**
